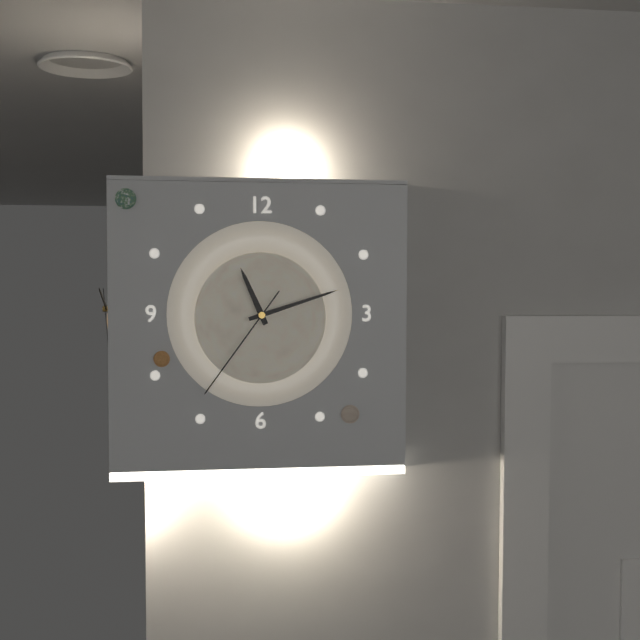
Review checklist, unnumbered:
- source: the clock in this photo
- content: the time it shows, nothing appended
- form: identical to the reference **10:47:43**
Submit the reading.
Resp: **11:12:36**
